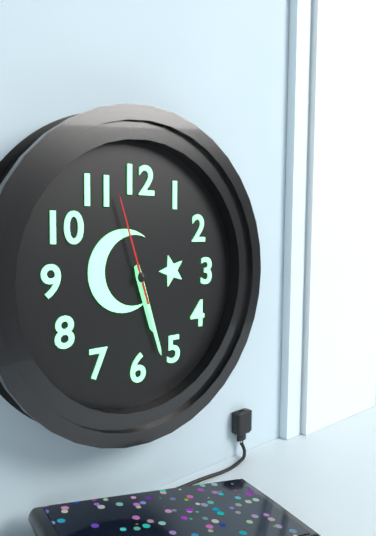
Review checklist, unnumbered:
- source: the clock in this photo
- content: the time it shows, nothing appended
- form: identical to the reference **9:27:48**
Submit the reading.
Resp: **5:27:57**
